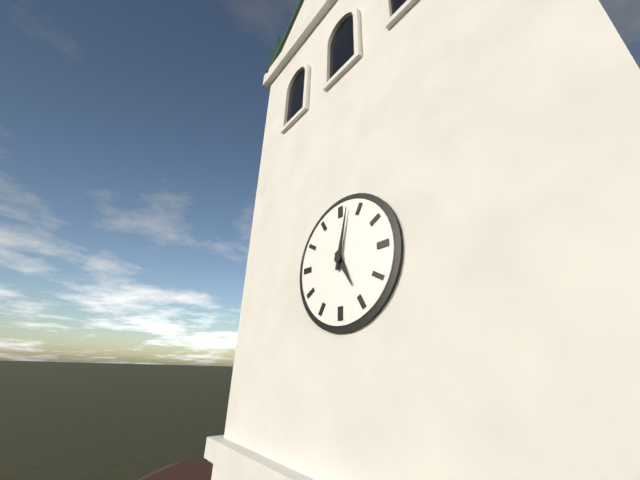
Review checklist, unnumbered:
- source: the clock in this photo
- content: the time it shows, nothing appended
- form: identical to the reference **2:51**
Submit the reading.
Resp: **5:02**
